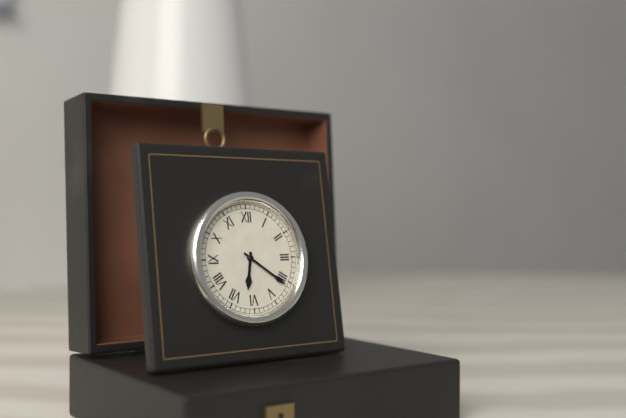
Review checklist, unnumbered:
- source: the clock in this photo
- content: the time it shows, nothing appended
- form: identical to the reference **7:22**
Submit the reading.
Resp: **6:21**
